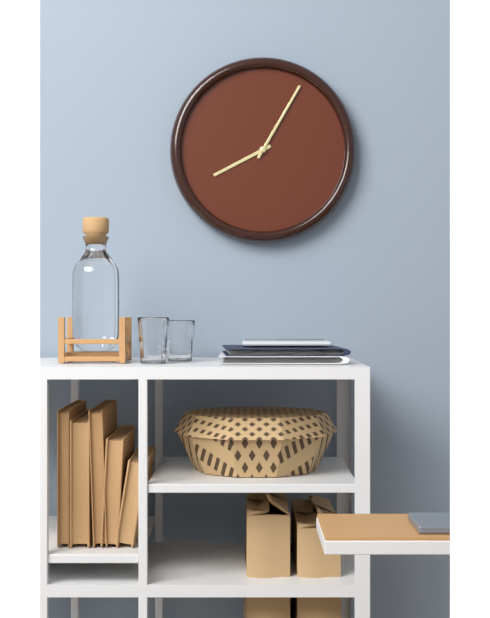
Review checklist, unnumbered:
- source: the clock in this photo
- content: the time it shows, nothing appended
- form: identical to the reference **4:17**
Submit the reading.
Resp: **8:05**
